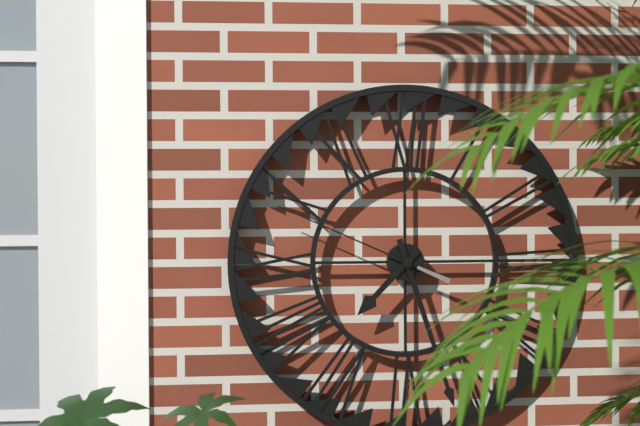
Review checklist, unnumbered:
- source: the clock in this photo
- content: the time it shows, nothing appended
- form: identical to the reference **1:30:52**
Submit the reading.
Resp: **7:27:49**
